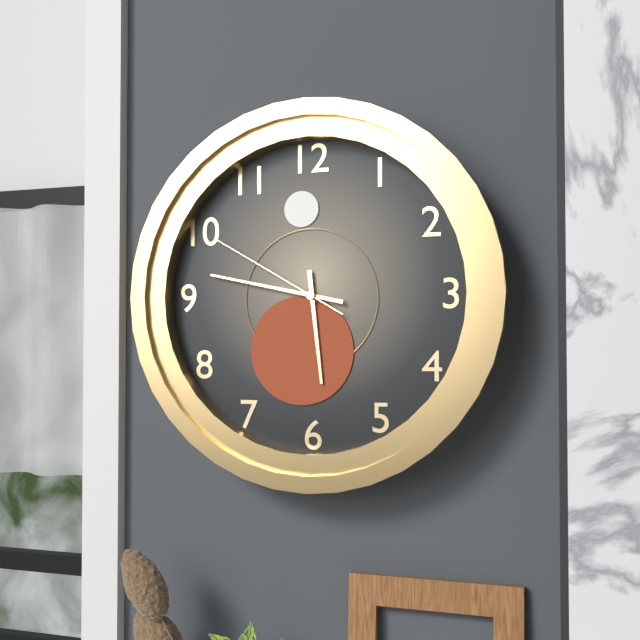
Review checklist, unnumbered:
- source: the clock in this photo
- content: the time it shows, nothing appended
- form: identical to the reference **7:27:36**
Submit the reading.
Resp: **5:47:50**
